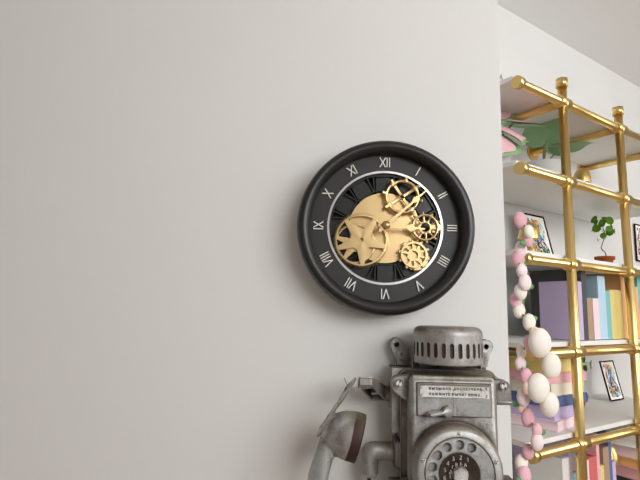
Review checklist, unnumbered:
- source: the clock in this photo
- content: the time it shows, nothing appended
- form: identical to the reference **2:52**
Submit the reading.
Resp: **3:08**
